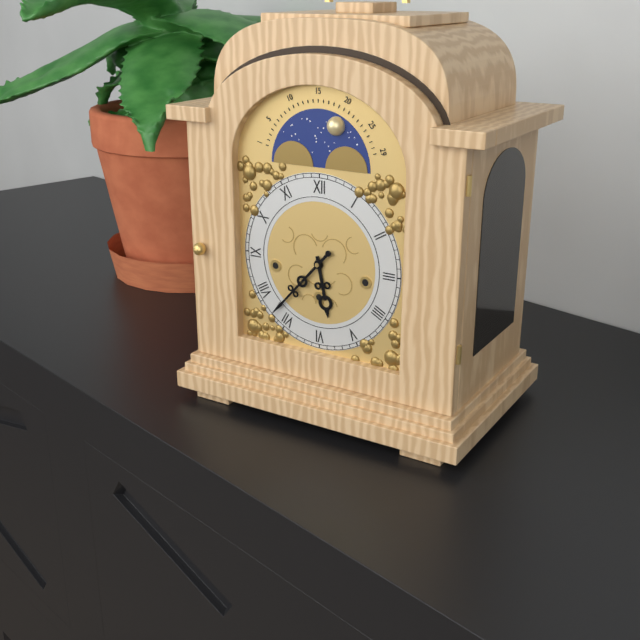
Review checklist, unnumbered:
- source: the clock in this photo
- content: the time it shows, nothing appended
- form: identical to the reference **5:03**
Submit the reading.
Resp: **5:37**
